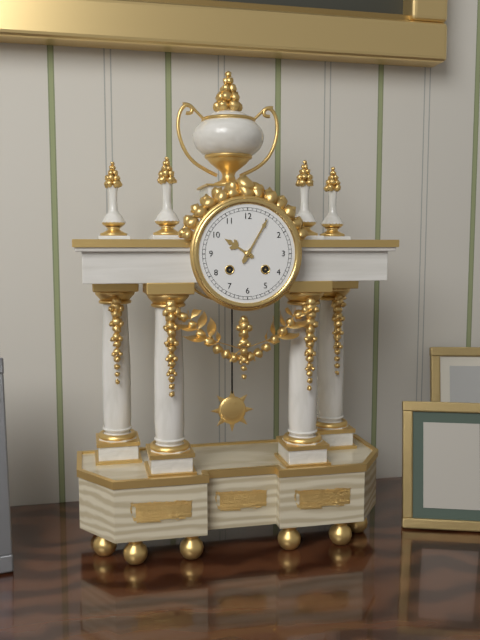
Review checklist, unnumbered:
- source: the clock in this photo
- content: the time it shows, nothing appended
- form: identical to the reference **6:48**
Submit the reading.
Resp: **10:05**
